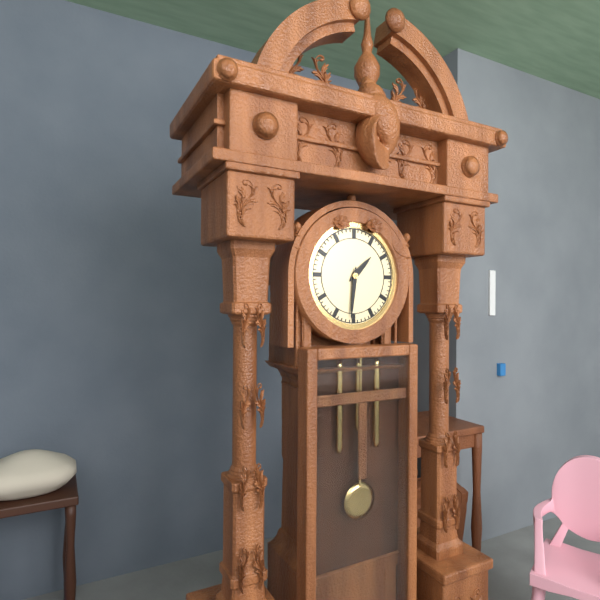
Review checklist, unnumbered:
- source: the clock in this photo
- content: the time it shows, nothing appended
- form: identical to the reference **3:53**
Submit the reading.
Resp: **1:31**
